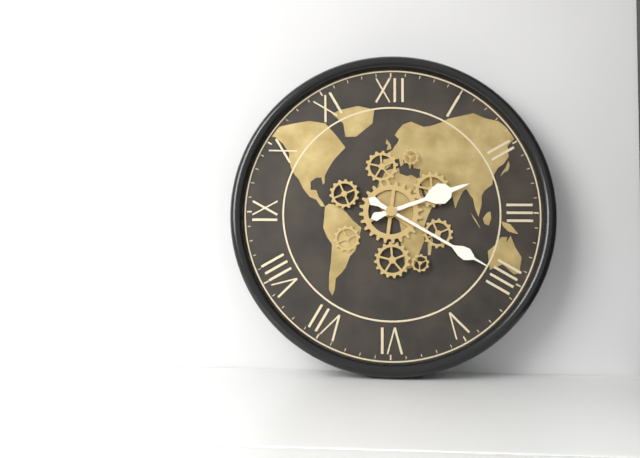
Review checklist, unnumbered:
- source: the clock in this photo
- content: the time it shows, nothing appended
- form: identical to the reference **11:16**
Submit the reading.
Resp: **2:20**
